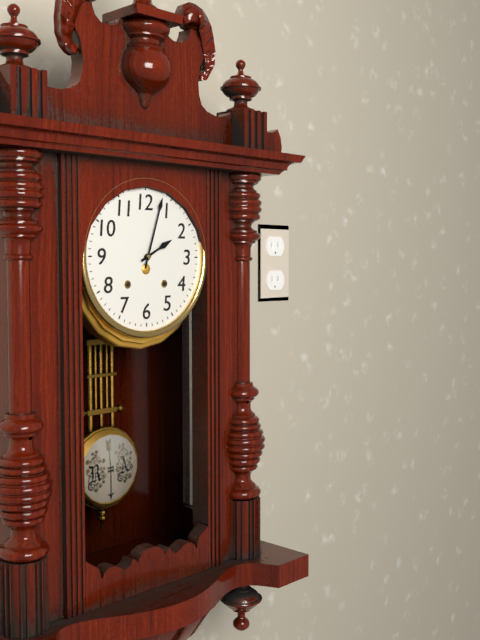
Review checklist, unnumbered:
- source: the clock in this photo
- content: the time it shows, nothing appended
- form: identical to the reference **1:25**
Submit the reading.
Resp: **2:03**
